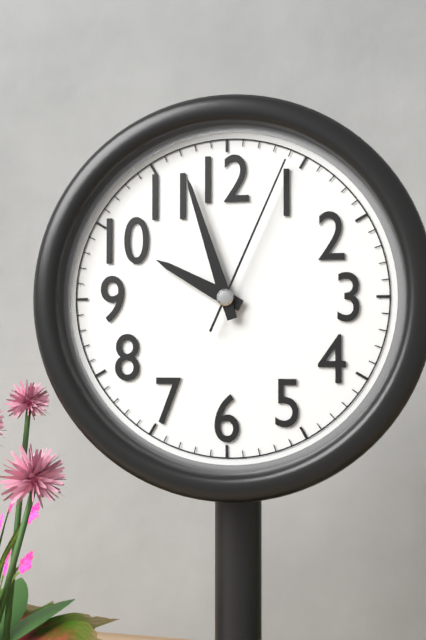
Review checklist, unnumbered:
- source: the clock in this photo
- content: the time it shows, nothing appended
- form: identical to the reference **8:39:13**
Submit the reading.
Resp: **9:57:04**
